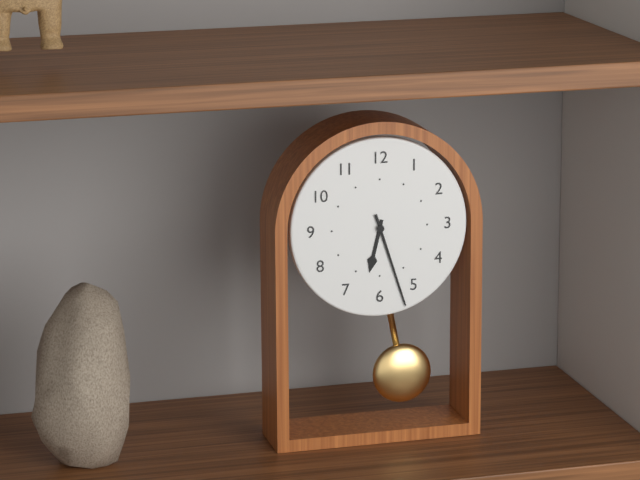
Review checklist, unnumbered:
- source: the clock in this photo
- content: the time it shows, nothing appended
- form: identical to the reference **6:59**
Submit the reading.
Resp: **6:27**
